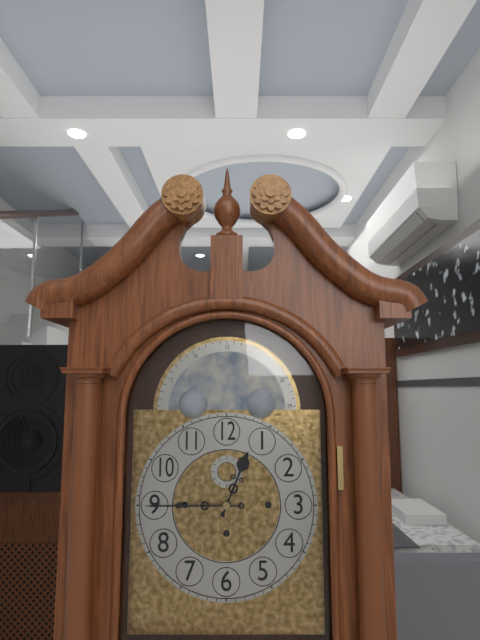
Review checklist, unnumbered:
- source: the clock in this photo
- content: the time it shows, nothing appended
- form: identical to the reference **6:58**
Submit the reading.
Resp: **12:45**
